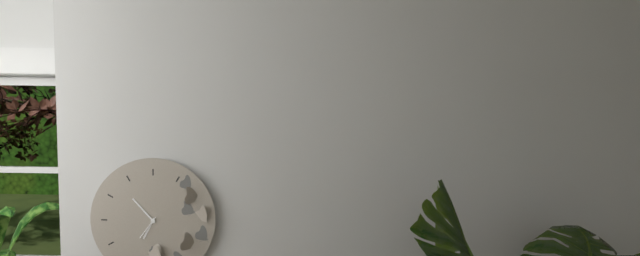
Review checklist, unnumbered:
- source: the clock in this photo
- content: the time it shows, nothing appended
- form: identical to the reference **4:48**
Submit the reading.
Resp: **6:53**
